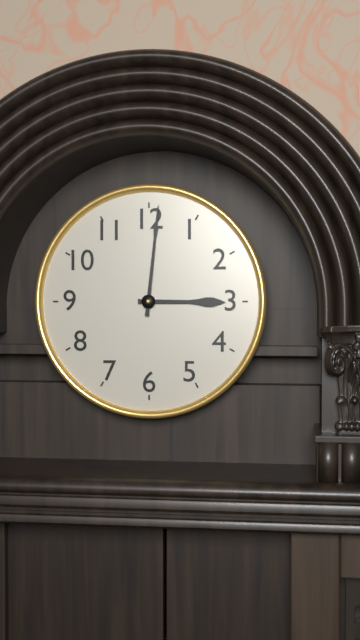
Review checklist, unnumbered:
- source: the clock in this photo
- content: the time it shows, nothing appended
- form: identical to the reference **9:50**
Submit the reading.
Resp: **3:01**
